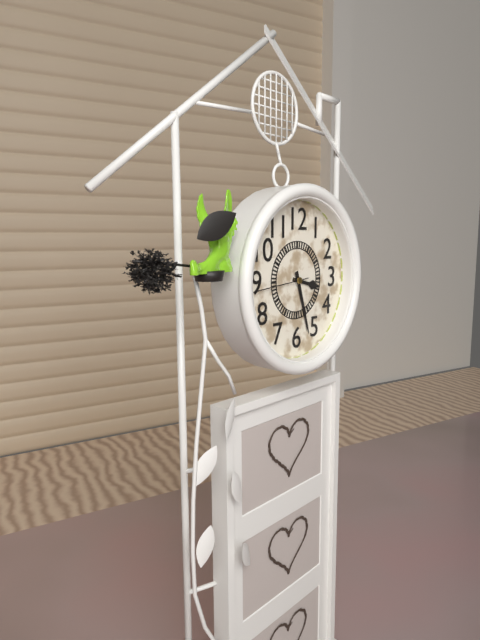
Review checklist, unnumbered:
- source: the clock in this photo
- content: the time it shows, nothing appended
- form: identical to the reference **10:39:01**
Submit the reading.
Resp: **3:27:44**
